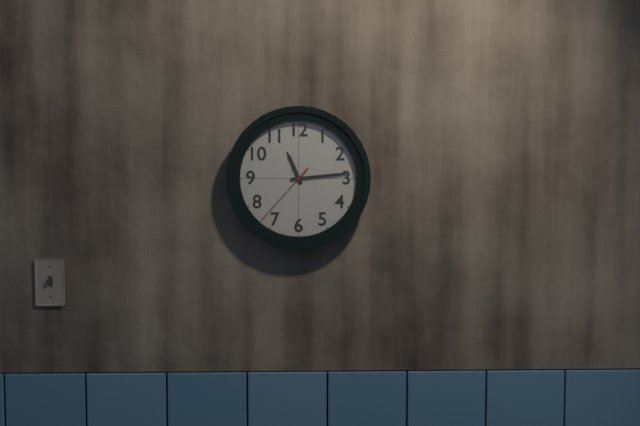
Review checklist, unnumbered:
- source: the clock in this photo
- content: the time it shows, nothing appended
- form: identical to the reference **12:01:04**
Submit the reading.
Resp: **11:14:37**
